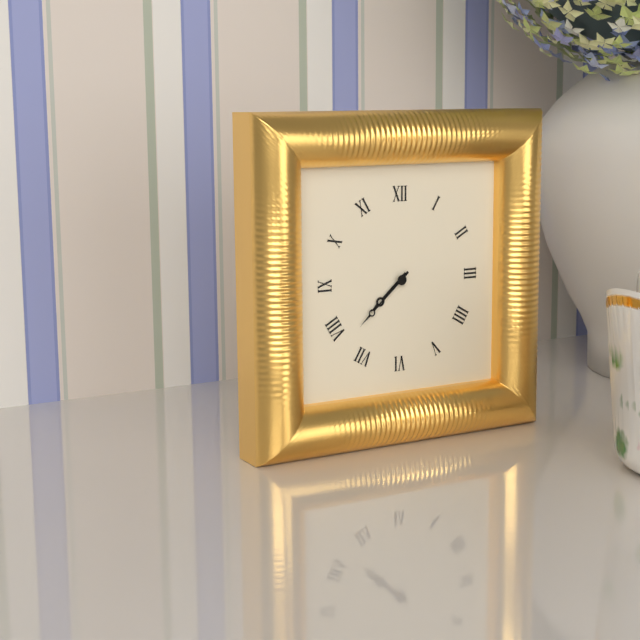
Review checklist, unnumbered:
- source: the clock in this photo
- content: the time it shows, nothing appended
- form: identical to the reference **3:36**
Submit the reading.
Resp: **7:38**
